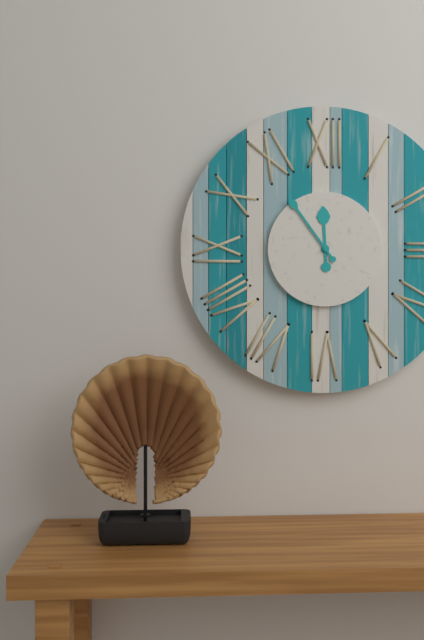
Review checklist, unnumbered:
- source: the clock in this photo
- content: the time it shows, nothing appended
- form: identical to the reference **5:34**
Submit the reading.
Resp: **11:54**
